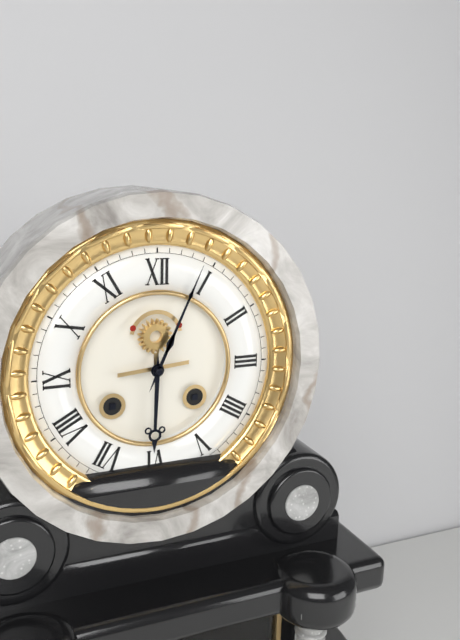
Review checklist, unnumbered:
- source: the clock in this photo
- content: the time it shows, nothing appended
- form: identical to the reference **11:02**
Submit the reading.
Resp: **6:04**
